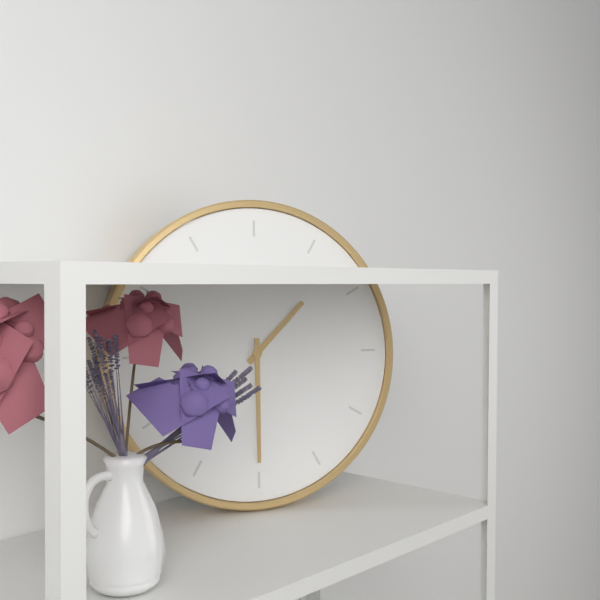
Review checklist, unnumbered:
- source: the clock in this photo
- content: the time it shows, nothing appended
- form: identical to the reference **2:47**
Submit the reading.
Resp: **1:30**
